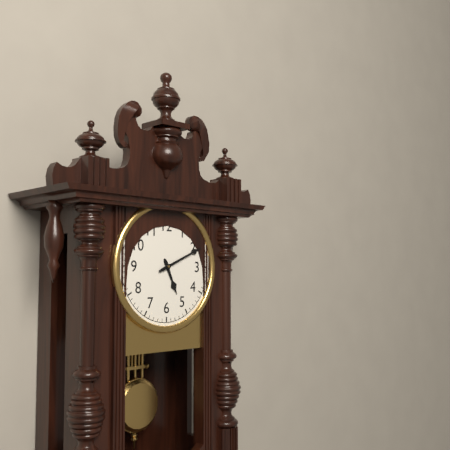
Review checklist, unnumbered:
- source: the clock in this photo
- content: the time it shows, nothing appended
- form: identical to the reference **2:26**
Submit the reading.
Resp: **5:11**
